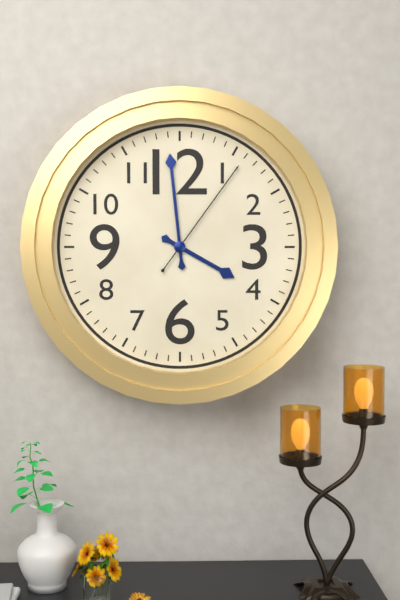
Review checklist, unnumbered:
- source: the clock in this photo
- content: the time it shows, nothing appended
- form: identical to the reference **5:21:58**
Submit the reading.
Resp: **3:59:06**
